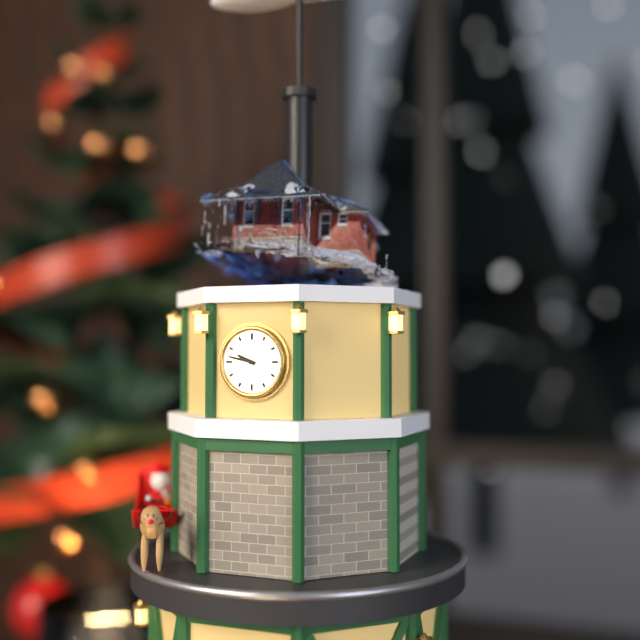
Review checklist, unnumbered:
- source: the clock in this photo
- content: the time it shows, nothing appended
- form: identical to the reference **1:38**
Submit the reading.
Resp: **9:47**
